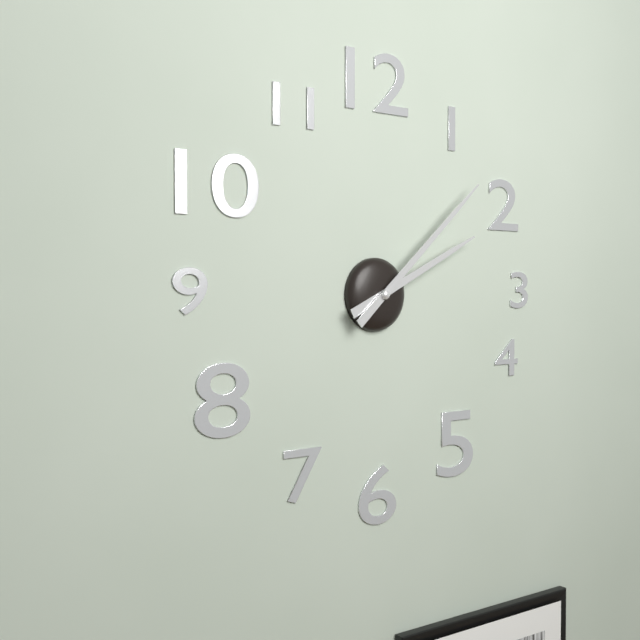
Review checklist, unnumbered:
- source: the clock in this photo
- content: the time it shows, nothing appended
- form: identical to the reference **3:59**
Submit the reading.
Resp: **2:08**
